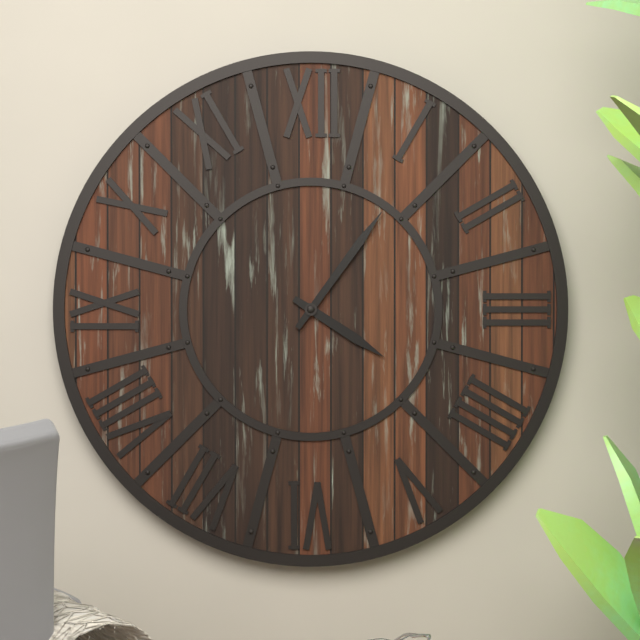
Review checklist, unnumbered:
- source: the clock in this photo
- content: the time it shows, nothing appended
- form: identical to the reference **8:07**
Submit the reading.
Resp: **4:06**
